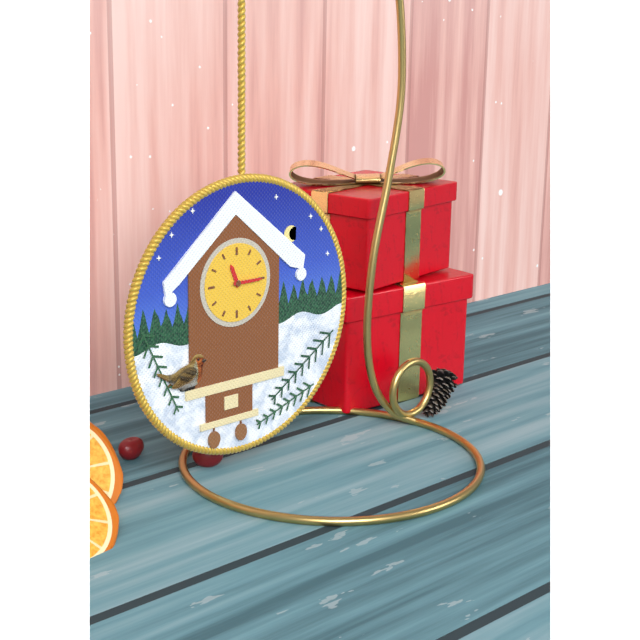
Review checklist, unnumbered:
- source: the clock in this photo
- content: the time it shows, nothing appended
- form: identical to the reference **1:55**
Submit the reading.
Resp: **11:15**
